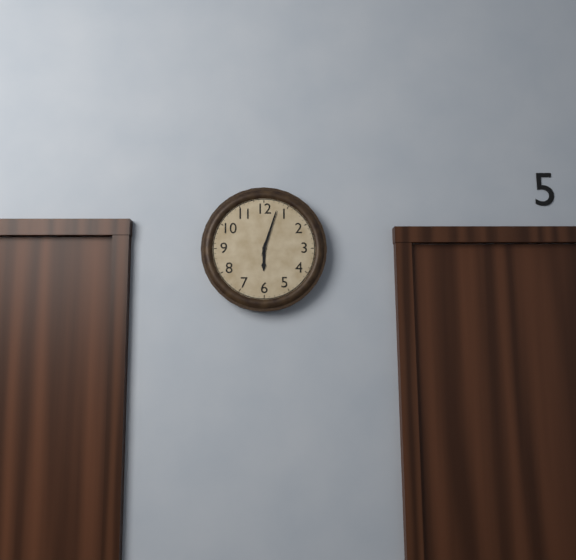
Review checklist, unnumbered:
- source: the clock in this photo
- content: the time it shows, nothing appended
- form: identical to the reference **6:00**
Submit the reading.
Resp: **6:03**
